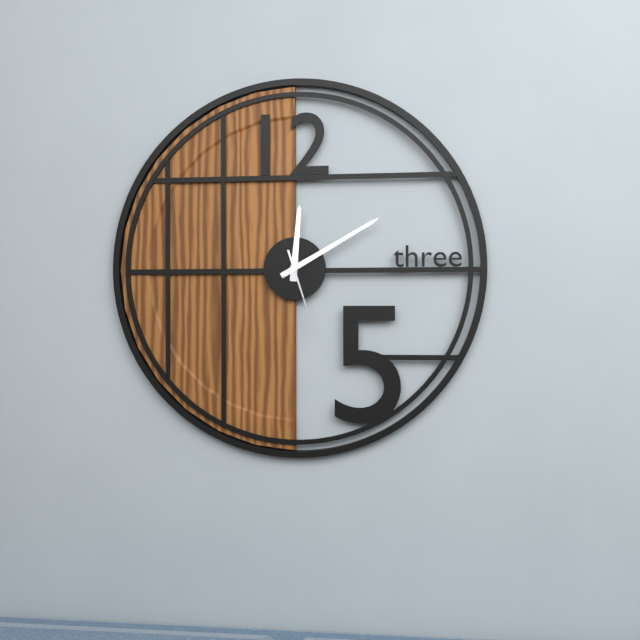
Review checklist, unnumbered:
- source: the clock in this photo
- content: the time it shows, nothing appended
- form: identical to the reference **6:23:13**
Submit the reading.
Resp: **12:10:27**
